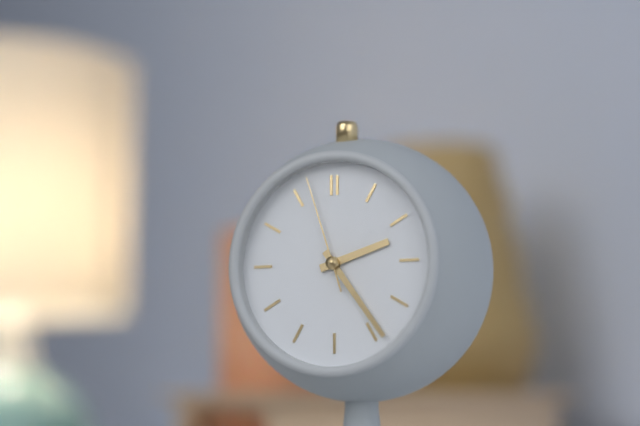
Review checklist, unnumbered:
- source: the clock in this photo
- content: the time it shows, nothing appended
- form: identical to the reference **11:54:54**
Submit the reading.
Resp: **2:24:57**
